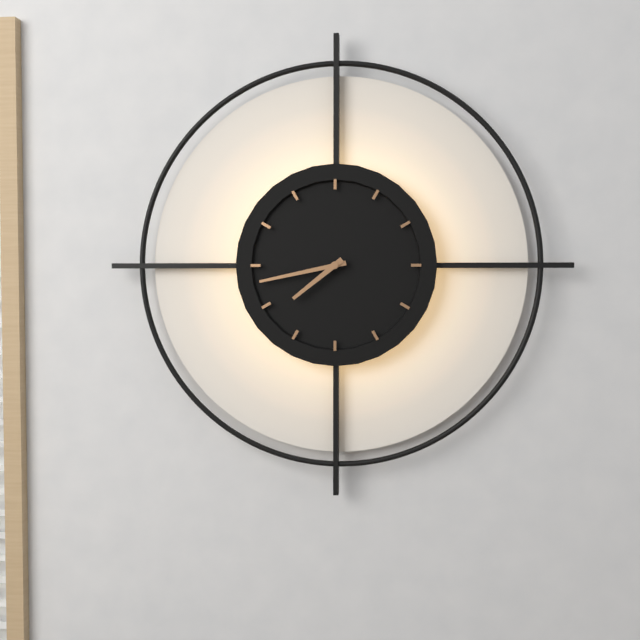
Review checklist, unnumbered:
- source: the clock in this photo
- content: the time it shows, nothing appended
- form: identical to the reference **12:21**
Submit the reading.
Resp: **7:43**
